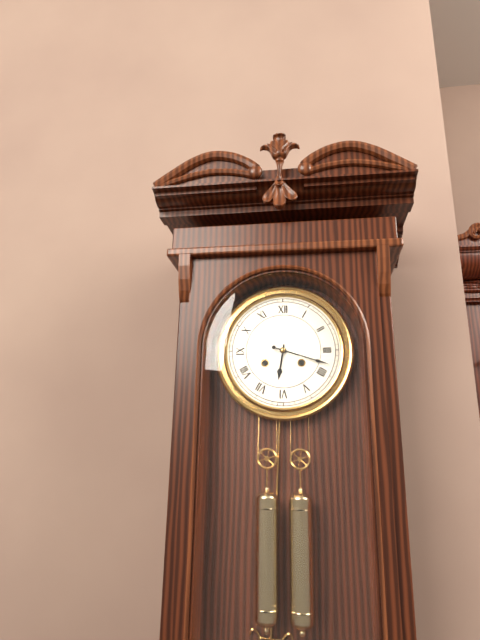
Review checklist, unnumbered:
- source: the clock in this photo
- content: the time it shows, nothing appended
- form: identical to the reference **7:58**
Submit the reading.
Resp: **6:18**
